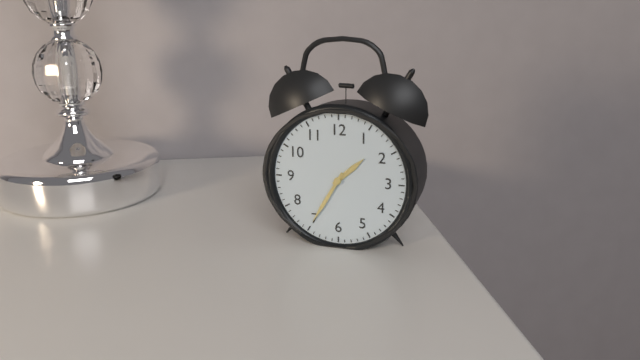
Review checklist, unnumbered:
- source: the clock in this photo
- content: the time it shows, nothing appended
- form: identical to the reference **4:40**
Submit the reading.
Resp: **1:35**
